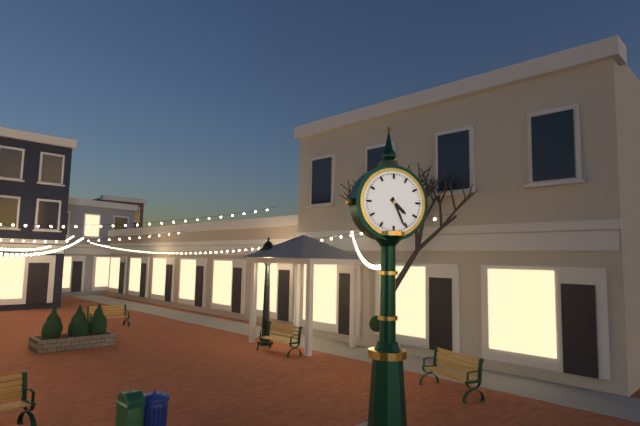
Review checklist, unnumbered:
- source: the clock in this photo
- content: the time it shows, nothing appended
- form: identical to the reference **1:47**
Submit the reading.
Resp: **4:26**
